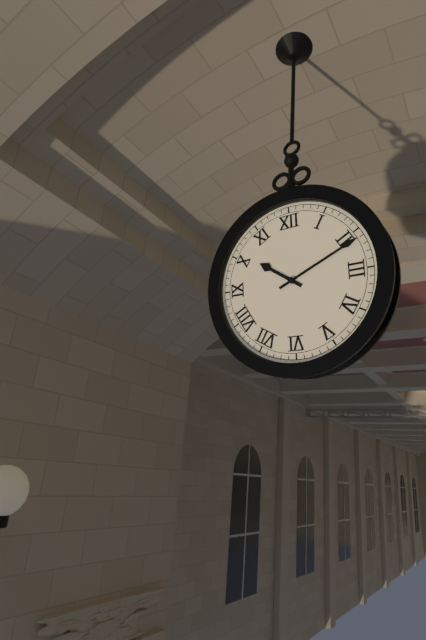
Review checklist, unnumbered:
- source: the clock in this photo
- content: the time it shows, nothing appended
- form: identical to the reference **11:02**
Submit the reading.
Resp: **10:11**
